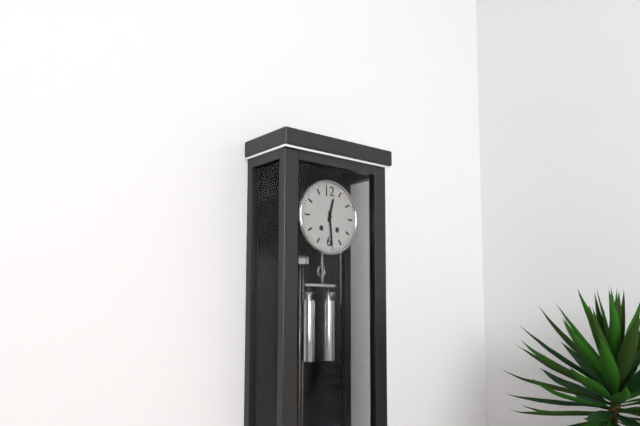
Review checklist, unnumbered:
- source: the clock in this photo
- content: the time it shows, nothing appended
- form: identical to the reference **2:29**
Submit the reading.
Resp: **12:29**
